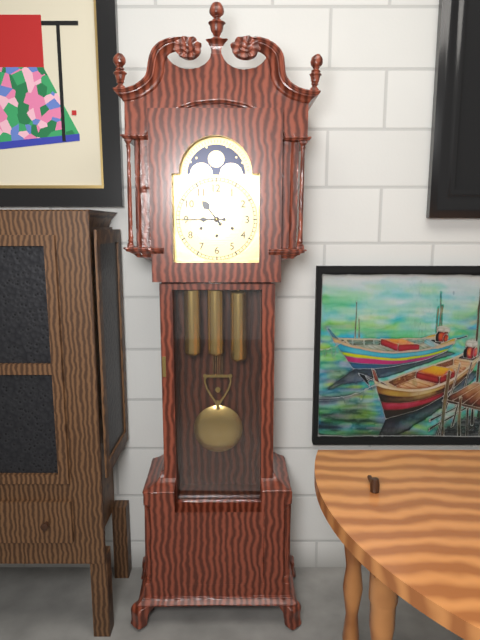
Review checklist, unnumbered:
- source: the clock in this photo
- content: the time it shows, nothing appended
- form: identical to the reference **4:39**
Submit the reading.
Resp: **10:45**
